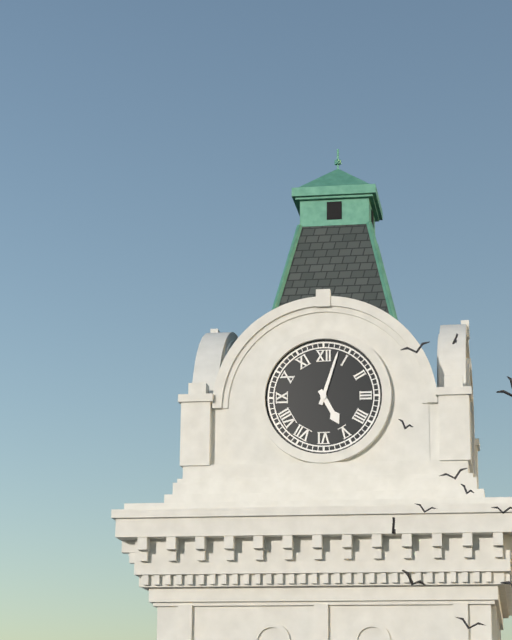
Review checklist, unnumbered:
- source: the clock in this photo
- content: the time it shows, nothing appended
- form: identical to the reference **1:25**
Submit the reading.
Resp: **5:03**
